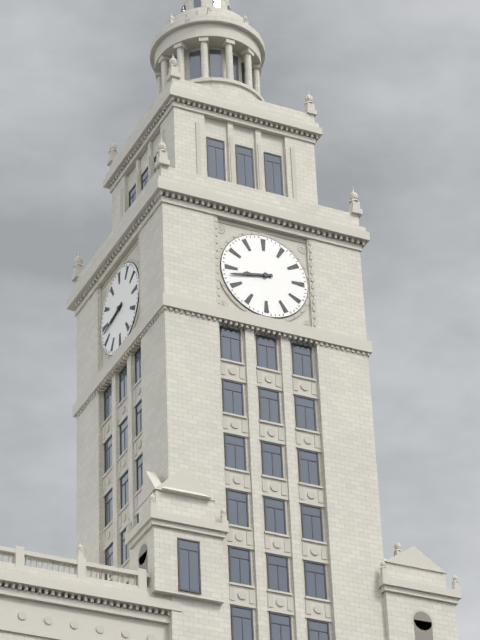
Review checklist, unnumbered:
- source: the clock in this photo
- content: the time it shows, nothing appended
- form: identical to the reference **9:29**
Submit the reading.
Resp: **8:43**
